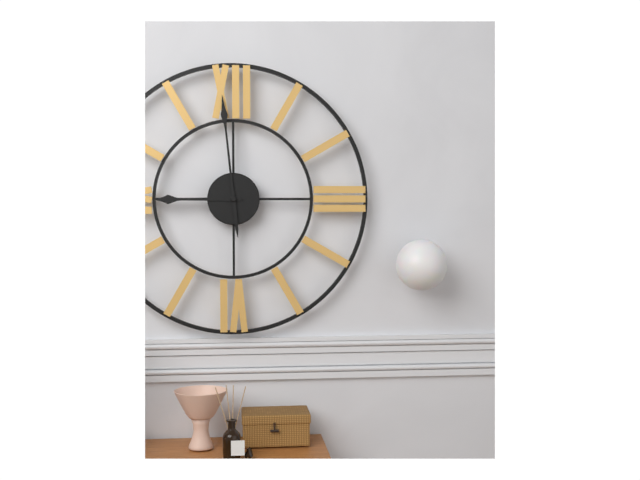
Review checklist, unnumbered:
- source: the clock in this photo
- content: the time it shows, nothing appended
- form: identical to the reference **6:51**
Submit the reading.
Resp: **8:59**
